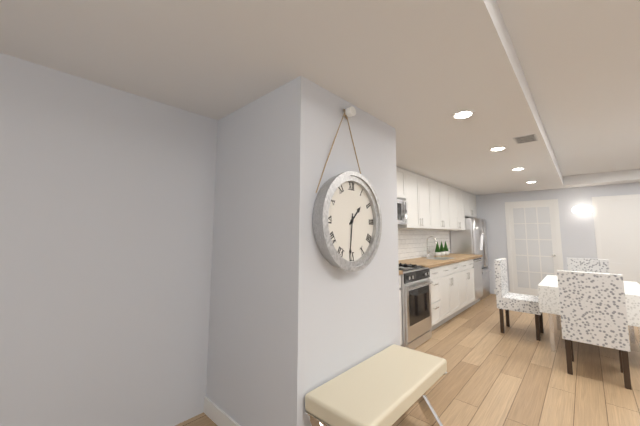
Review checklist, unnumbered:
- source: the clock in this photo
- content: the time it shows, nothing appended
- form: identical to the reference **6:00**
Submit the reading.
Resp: **1:31**
